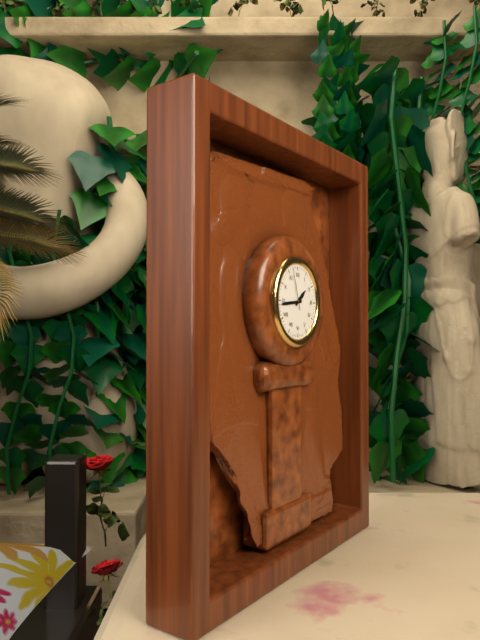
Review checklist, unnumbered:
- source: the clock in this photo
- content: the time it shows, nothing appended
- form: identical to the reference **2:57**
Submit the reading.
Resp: **1:44**
